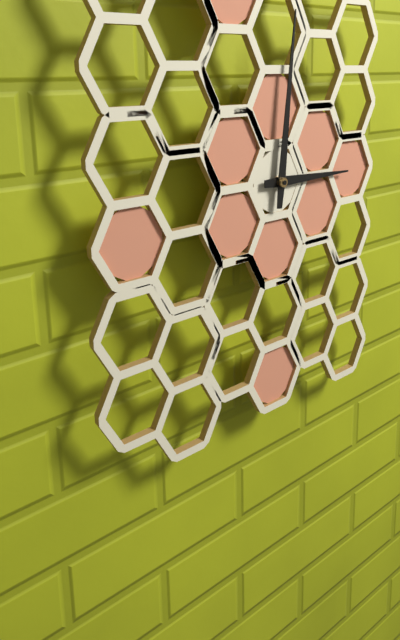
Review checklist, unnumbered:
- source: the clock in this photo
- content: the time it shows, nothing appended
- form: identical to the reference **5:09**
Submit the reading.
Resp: **3:01**
